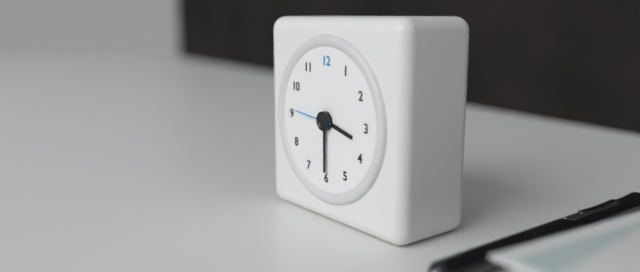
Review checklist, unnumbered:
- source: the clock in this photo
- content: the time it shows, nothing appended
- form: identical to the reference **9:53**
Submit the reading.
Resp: **3:30**
